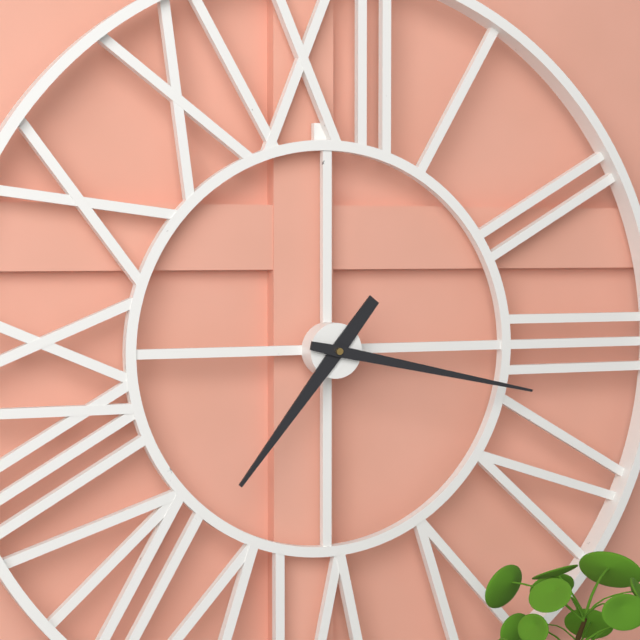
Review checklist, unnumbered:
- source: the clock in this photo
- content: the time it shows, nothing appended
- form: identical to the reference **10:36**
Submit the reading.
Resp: **7:17**
